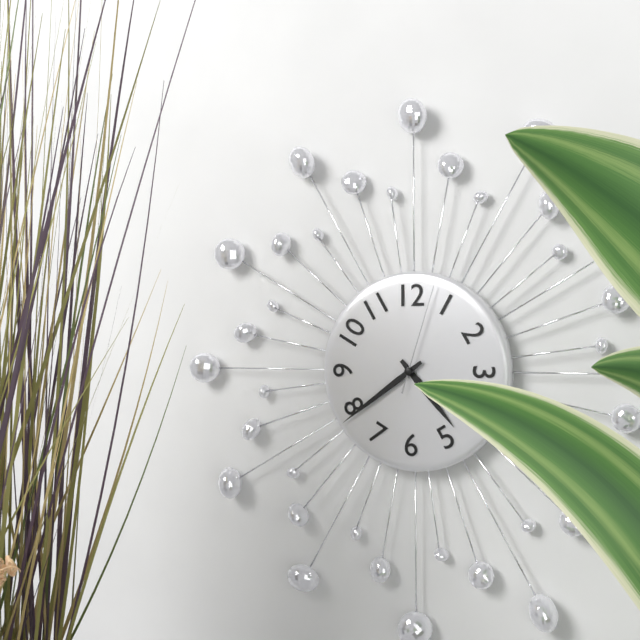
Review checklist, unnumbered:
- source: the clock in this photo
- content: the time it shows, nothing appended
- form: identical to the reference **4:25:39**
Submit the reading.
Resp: **4:39:03**
